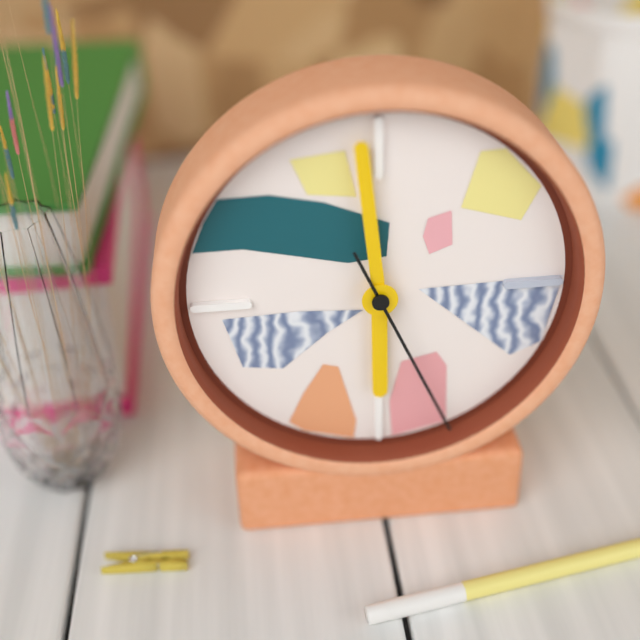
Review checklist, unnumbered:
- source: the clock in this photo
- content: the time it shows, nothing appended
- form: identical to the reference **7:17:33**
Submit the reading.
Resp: **5:59:26**
